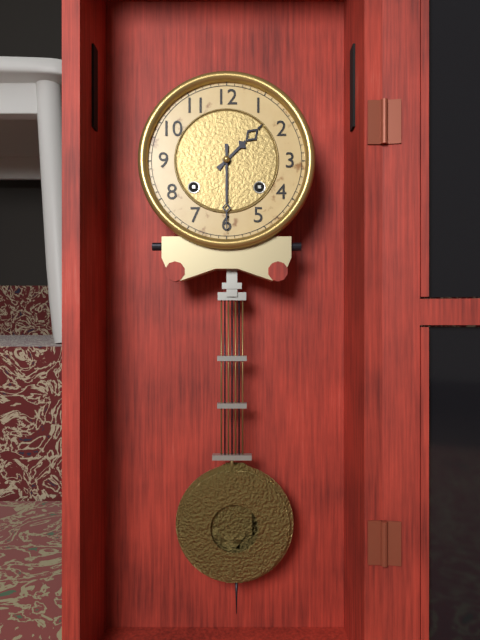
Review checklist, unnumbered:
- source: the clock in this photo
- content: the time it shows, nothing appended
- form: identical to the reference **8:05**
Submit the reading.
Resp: **1:30**
